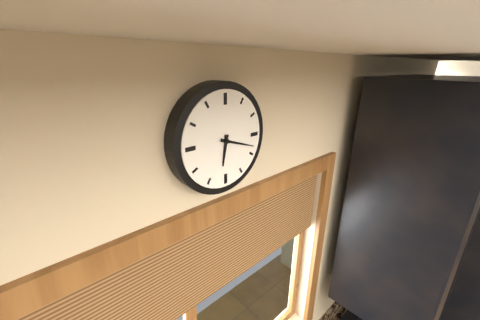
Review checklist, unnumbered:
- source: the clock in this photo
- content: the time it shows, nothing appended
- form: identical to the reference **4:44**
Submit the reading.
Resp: **6:18**
